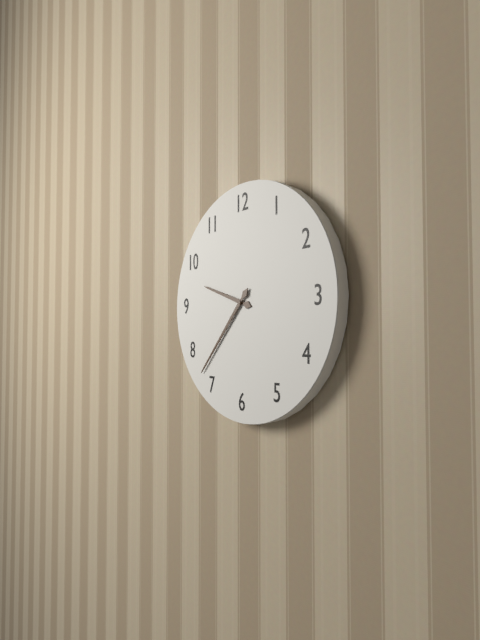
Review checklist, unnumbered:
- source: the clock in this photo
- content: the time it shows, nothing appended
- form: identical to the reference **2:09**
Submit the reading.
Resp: **9:37**
